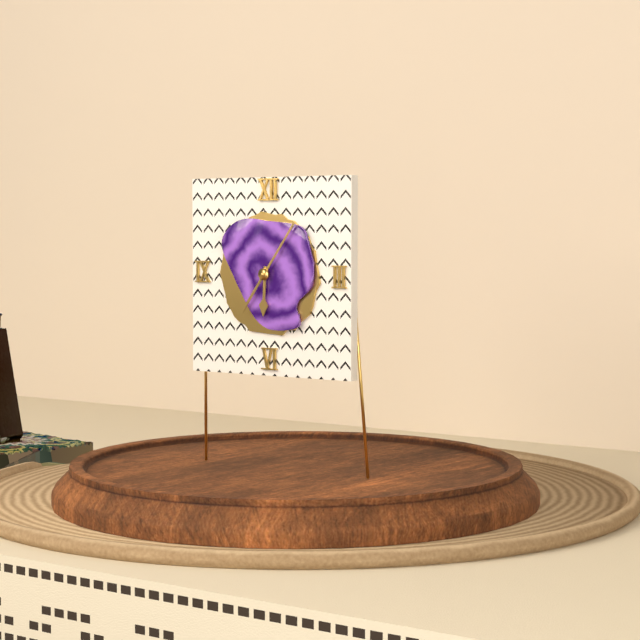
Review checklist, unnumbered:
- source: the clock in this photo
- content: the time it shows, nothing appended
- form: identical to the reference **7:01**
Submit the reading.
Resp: **6:06**
